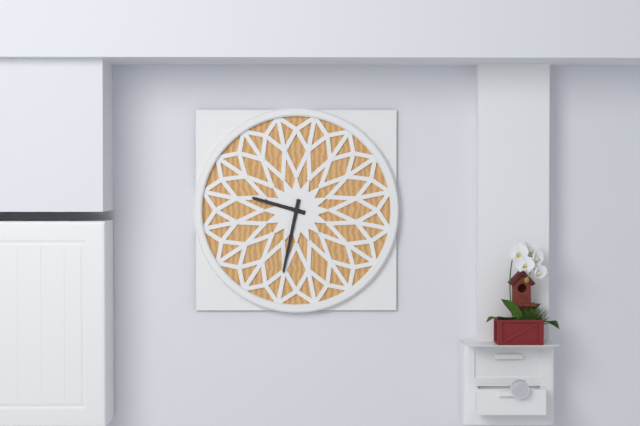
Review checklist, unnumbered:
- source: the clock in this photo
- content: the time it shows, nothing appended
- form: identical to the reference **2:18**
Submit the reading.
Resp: **9:32**
